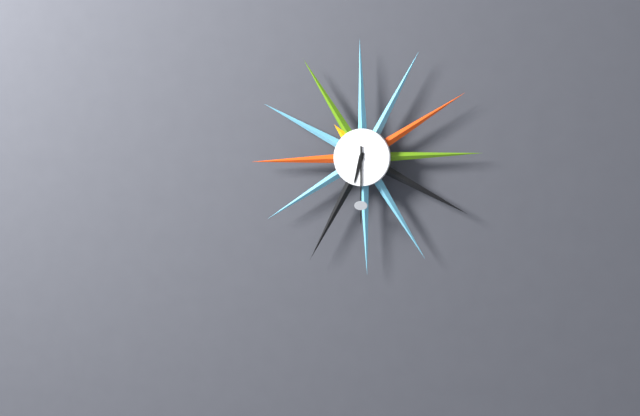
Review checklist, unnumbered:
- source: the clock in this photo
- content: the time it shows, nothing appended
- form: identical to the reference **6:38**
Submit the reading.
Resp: **6:30**
